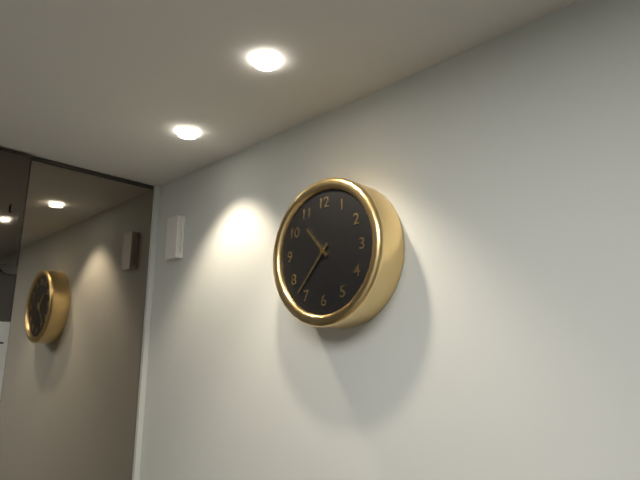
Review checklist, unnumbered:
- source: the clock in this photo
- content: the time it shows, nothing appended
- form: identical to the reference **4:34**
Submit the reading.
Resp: **10:37**
